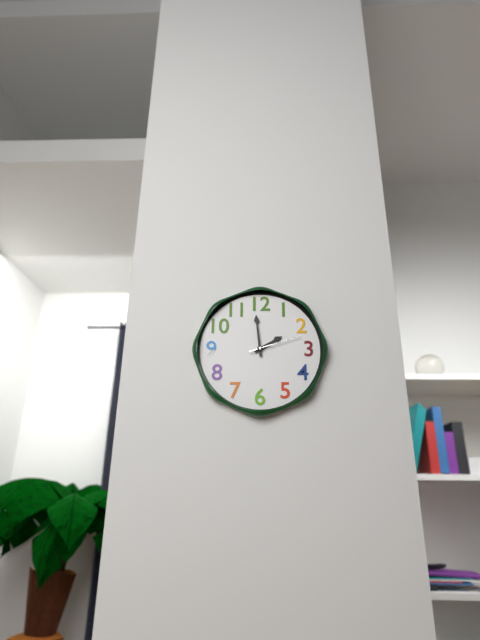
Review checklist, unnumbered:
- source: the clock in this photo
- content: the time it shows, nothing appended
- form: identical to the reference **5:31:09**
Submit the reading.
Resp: **1:59:12**
